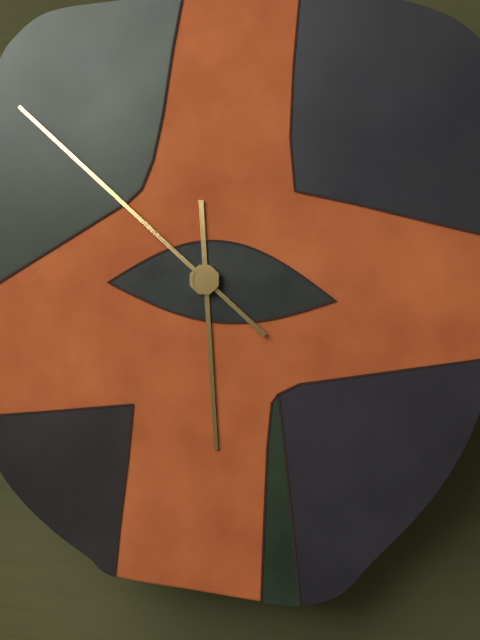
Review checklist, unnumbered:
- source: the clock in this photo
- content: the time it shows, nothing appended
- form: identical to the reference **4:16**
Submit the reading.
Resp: **5:52**
